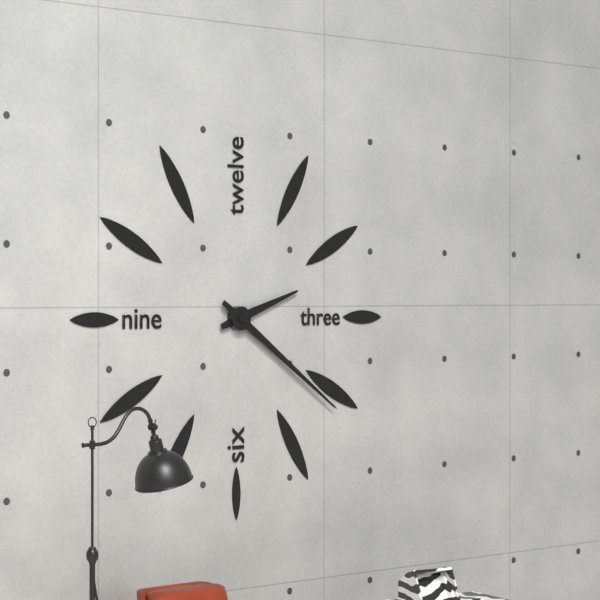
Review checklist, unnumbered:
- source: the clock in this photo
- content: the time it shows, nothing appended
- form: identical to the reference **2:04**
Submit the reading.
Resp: **2:21**
